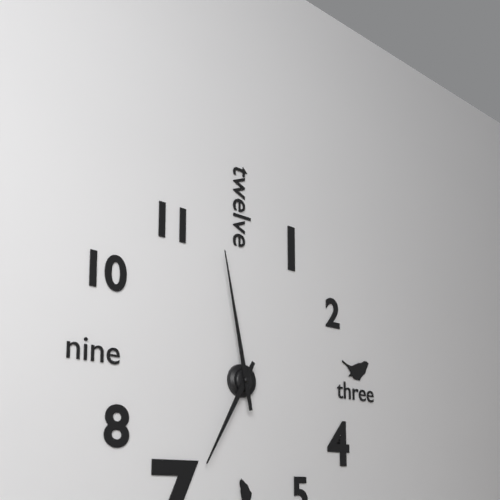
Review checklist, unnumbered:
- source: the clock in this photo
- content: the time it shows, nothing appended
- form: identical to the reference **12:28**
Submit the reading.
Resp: **6:58**
